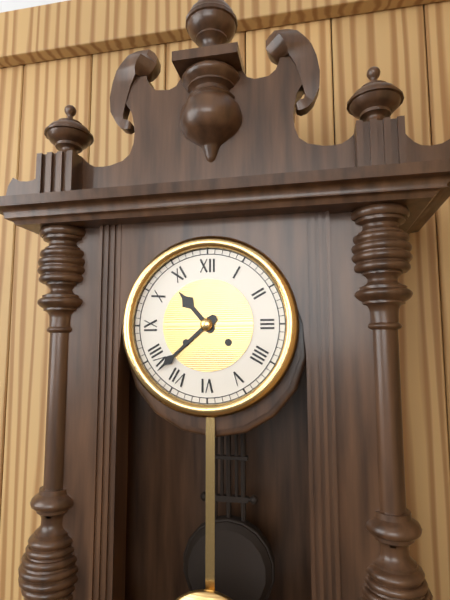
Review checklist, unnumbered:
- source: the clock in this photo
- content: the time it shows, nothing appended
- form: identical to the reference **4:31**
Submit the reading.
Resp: **10:38**
